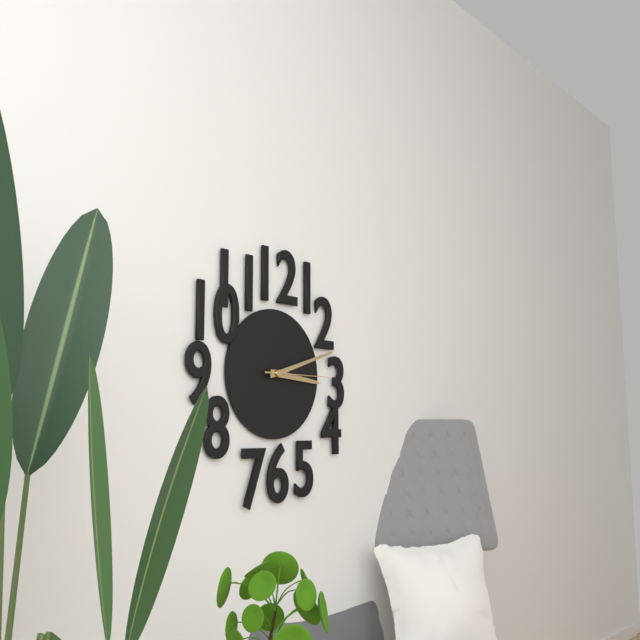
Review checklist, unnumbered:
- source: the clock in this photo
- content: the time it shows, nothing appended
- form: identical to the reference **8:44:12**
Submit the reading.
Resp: **3:12:15**
